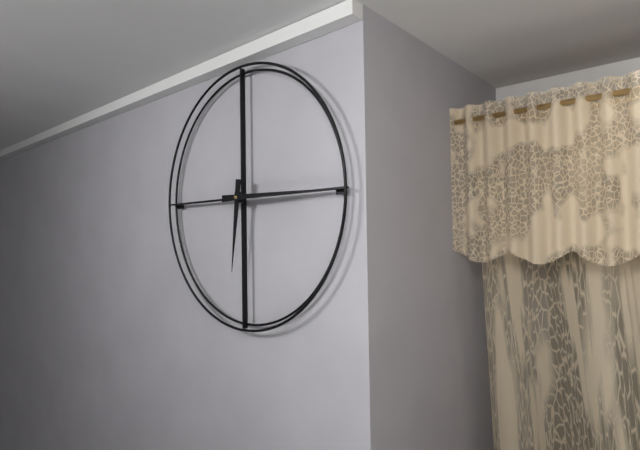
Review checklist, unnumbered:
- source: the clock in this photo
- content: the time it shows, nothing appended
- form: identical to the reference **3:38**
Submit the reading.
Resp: **6:15**
